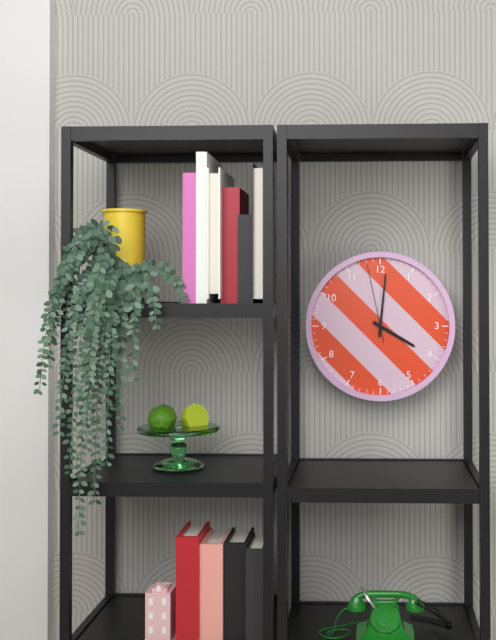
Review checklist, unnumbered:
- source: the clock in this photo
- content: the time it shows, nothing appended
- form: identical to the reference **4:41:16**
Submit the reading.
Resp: **4:01:58**
